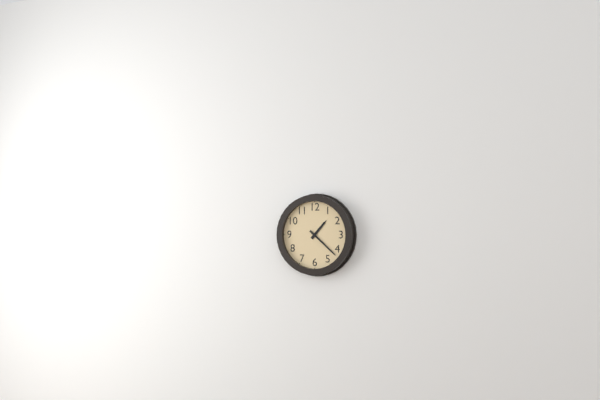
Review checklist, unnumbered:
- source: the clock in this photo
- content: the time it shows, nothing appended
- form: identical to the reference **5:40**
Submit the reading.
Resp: **1:22**
